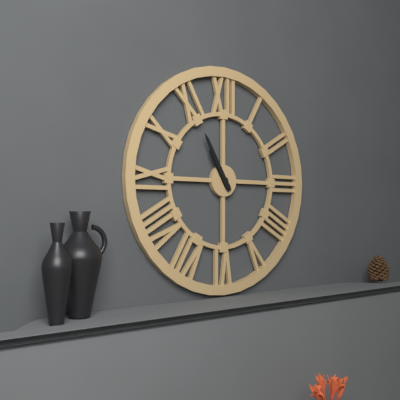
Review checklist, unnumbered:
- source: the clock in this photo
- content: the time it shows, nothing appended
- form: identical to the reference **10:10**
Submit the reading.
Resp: **10:55**
